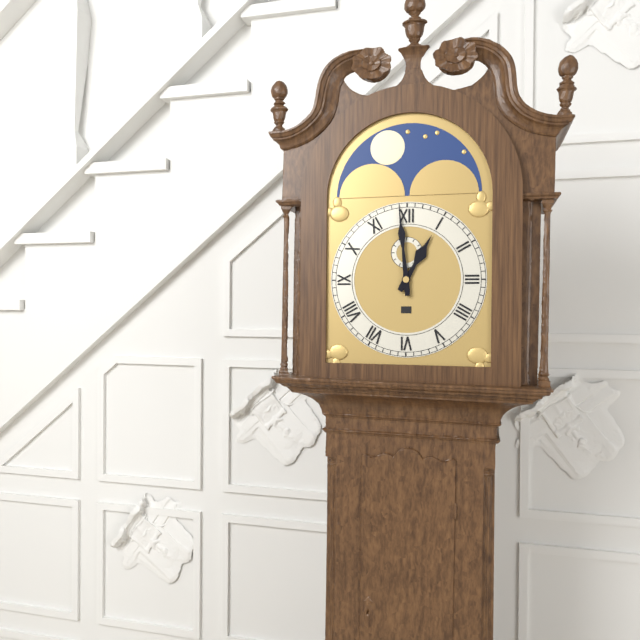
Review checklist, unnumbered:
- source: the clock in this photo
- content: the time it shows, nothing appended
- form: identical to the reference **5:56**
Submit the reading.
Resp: **12:59**
